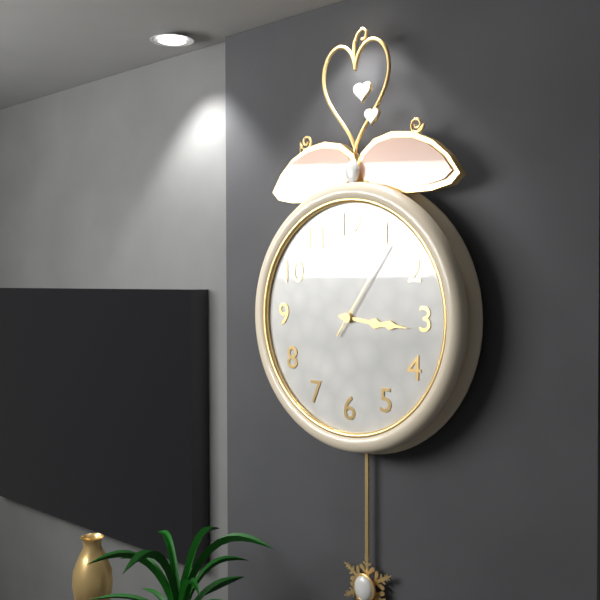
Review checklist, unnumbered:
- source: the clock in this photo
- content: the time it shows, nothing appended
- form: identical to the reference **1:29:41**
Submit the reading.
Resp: **3:16:06**
